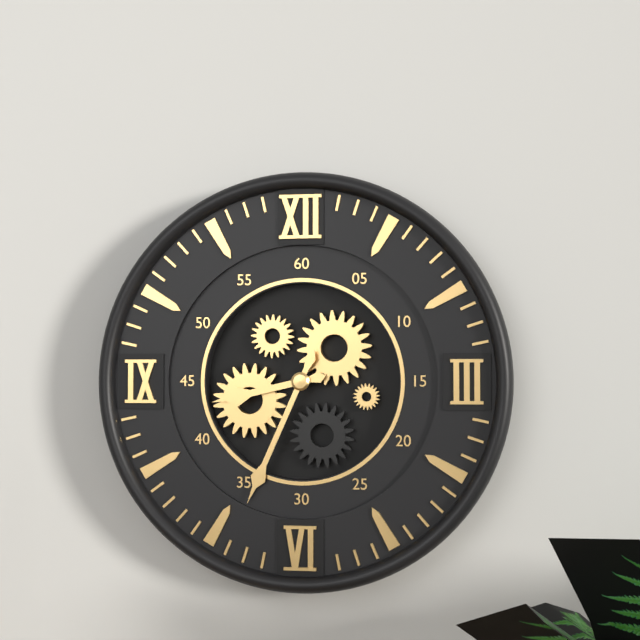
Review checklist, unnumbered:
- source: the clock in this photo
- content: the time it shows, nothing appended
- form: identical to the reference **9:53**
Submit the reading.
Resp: **8:34**
